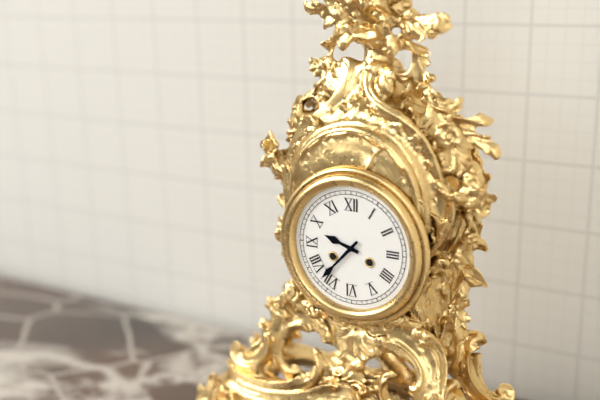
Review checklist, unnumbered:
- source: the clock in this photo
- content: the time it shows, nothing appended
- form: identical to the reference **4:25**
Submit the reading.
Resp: **9:37**
